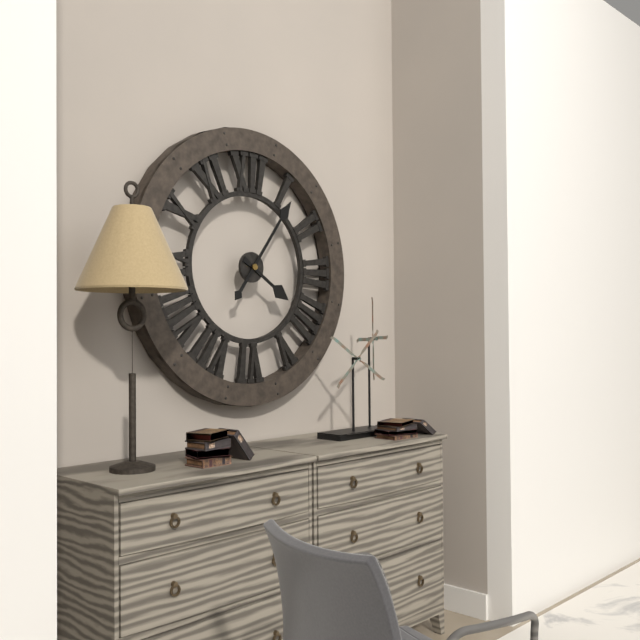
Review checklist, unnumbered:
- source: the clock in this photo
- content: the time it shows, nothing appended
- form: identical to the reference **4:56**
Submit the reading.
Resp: **4:06**
